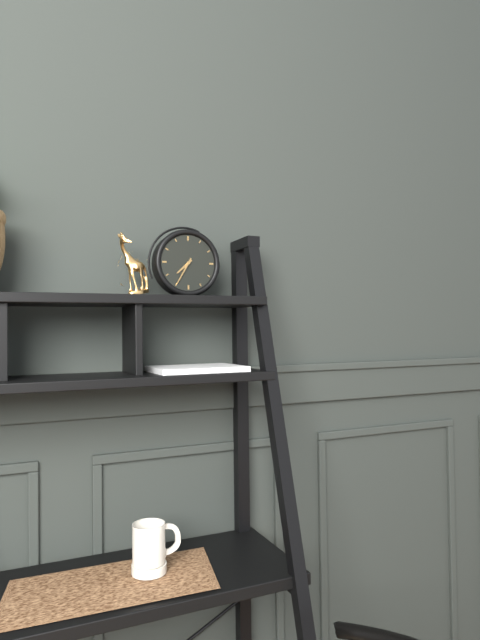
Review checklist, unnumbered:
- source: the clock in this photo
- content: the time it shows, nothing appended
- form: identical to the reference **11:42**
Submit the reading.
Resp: **7:35**
